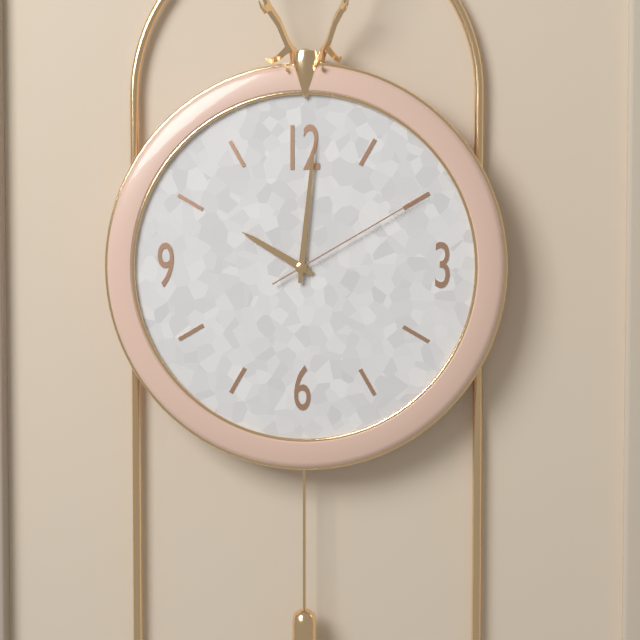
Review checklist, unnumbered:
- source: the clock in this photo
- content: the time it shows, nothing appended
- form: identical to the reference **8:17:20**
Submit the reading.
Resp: **10:01:10**
